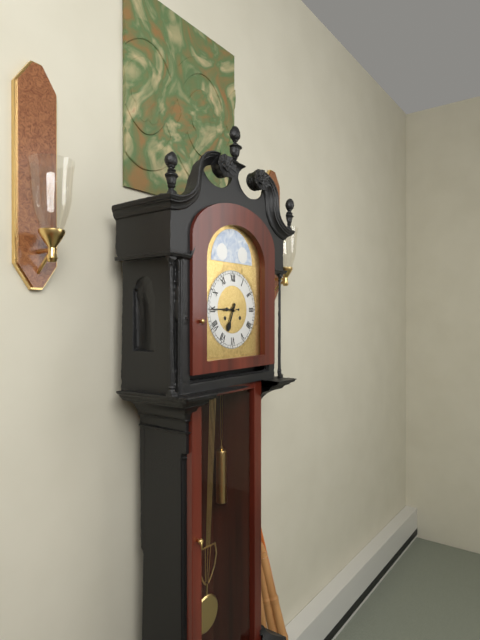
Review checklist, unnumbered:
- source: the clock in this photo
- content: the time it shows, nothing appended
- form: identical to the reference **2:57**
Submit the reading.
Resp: **6:45**
